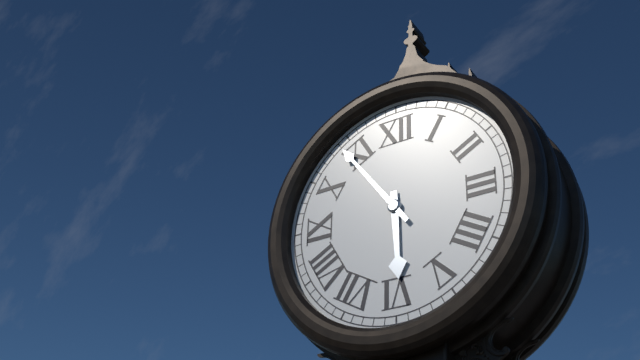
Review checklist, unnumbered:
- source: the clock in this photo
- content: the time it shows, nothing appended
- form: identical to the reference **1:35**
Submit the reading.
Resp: **5:54**
